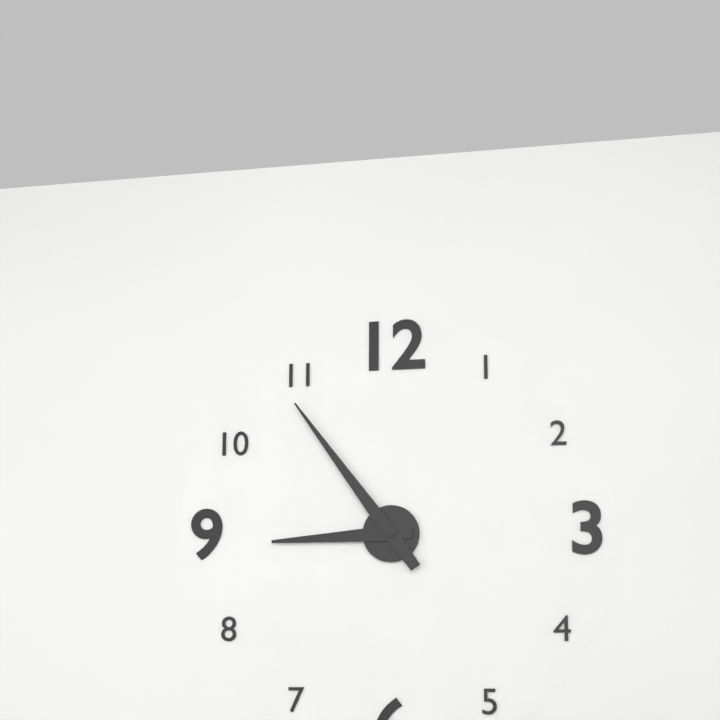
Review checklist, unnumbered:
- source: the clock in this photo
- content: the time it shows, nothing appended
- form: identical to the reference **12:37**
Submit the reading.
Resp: **8:54**
